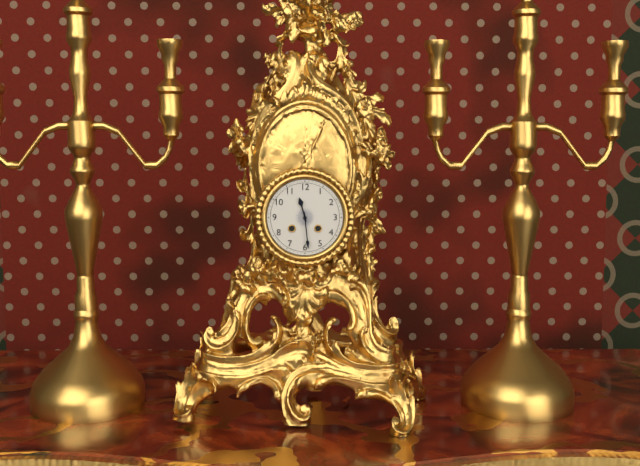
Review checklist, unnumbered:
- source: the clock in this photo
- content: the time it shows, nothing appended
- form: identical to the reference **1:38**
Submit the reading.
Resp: **11:29**
